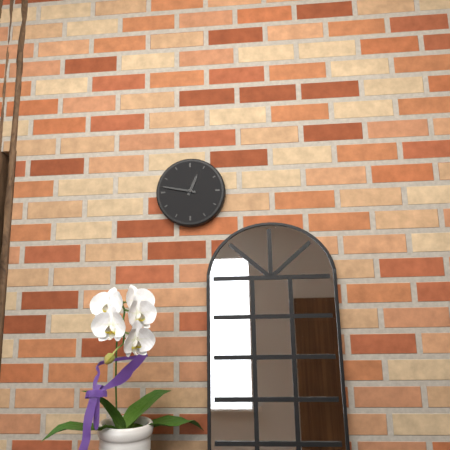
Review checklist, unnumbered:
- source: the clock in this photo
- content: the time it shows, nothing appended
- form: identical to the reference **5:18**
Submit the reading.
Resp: **12:47**
